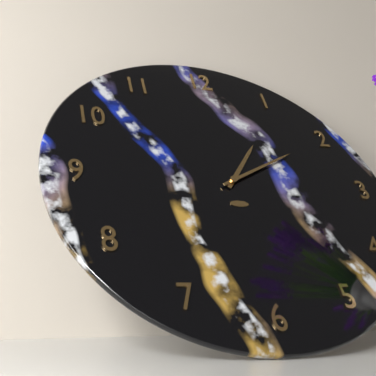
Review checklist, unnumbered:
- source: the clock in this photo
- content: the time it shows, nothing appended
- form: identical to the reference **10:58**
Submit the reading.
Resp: **1:10**
